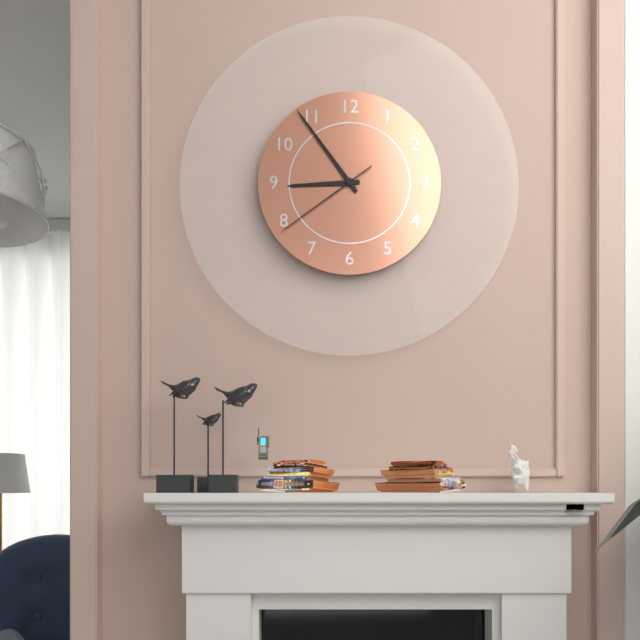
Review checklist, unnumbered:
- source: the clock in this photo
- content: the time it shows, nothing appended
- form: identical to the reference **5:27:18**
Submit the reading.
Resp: **8:54:39**
